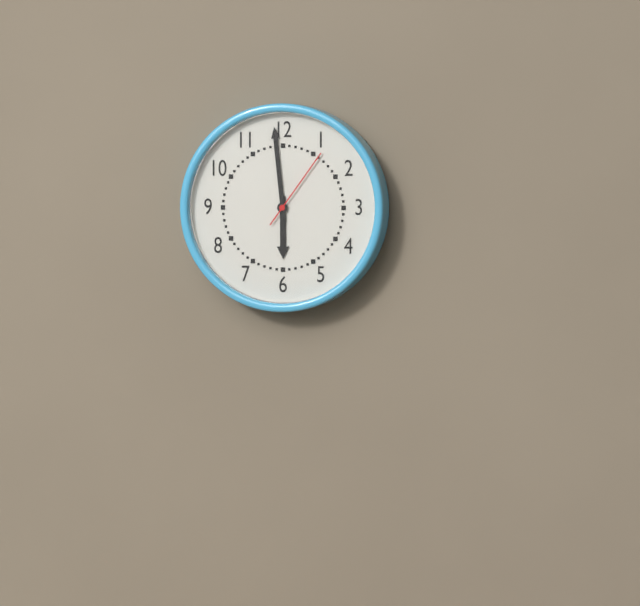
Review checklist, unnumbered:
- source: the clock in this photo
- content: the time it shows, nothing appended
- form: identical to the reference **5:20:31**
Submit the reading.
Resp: **5:59:06**
